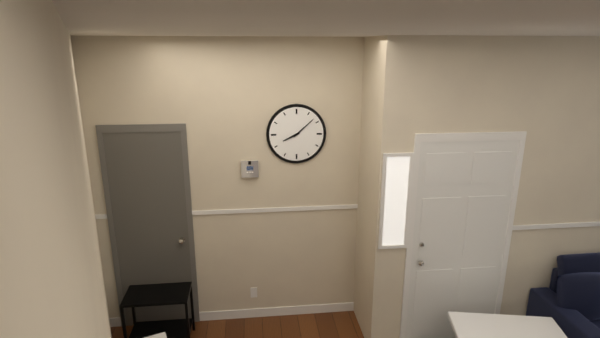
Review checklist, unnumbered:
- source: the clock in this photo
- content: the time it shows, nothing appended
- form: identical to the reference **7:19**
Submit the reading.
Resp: **8:08**
